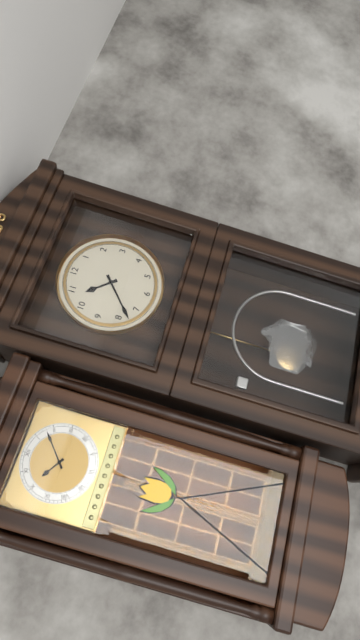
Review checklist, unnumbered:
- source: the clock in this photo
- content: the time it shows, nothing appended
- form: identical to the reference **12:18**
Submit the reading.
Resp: **10:38**
